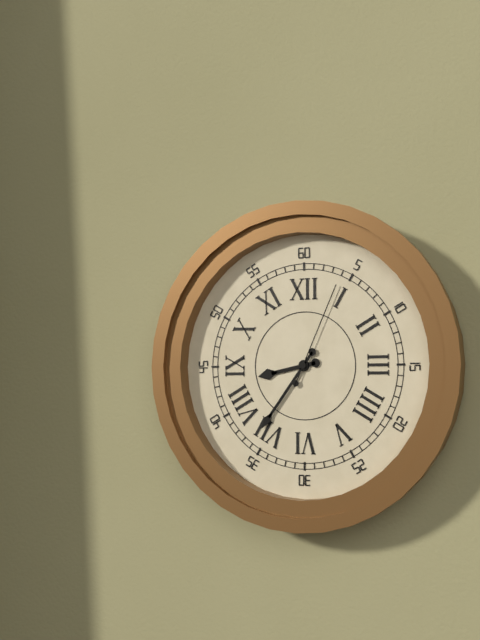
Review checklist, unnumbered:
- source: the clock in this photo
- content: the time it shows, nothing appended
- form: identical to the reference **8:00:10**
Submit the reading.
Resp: **8:36:04**
